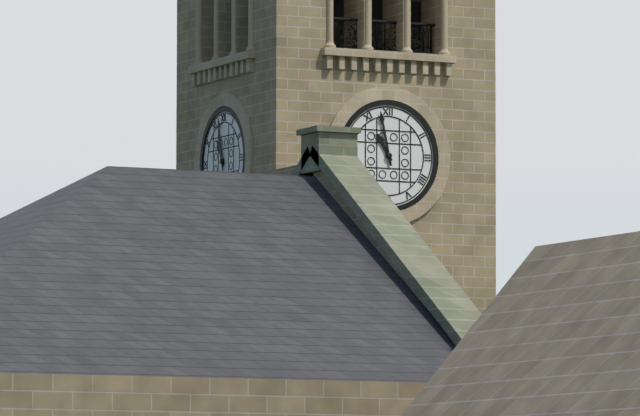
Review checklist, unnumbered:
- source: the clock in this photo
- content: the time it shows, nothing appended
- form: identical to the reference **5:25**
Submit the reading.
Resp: **10:58**
